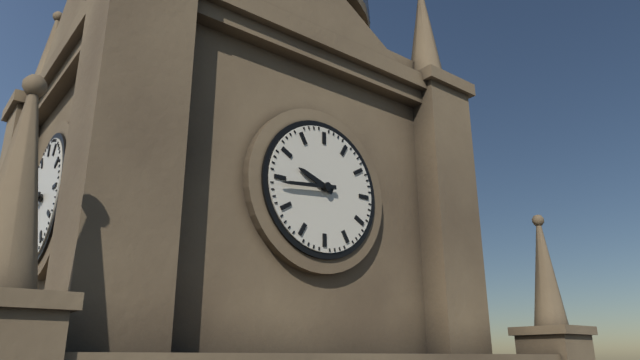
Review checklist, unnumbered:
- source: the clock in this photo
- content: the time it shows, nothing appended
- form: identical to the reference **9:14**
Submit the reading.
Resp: **9:44**
